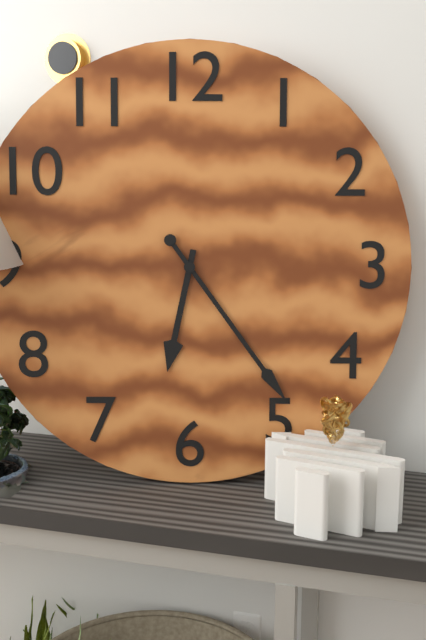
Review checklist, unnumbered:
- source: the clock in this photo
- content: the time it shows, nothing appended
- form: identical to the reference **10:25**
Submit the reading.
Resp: **6:24**
